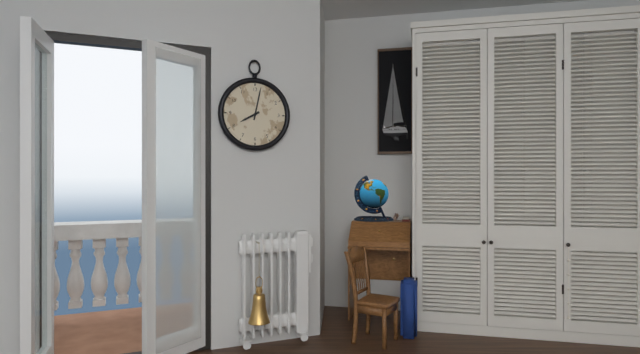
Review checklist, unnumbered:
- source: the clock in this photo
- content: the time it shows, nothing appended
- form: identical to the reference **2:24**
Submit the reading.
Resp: **8:02**
